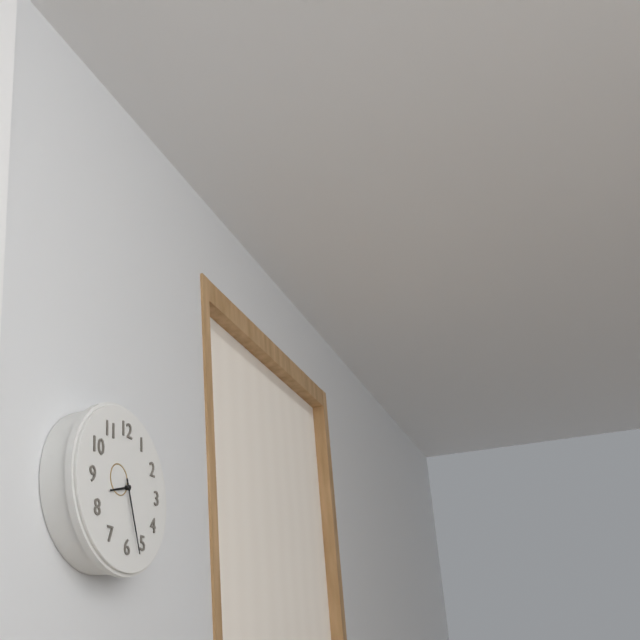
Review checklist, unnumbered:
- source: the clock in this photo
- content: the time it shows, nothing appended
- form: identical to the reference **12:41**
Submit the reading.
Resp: **8:27**
